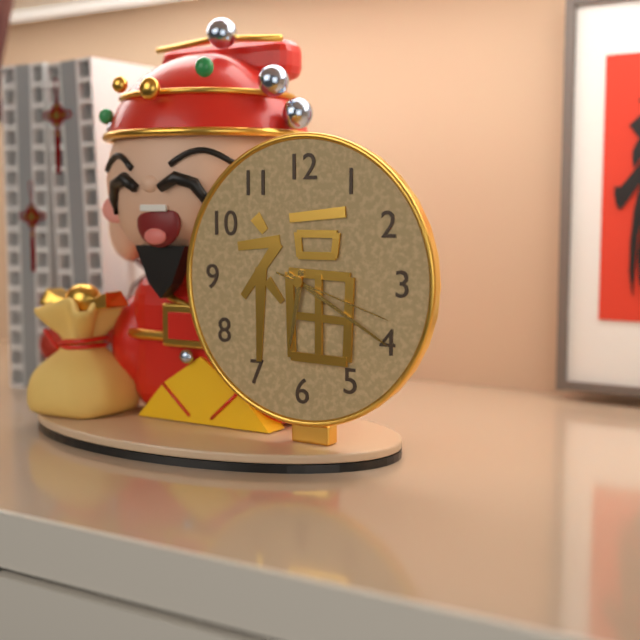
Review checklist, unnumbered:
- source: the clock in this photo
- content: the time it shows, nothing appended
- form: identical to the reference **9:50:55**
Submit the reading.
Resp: **6:20:18**
